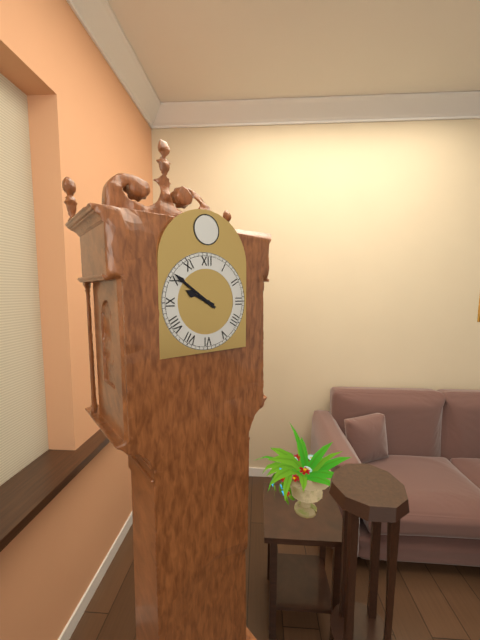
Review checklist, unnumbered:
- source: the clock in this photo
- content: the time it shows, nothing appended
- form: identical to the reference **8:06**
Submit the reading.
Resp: **9:51**
